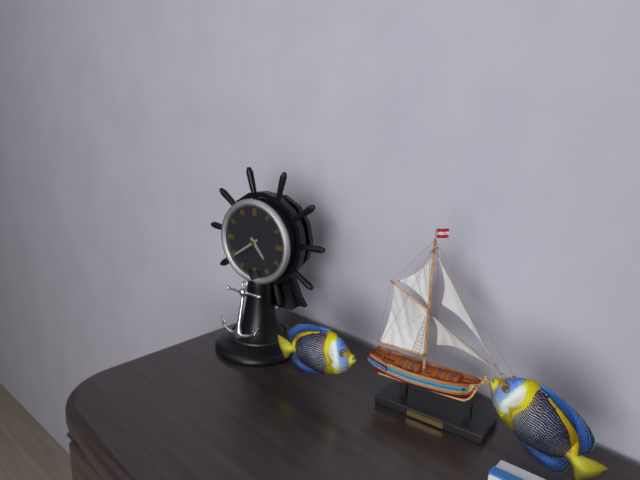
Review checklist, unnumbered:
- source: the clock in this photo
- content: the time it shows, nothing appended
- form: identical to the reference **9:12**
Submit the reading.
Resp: **4:39**
